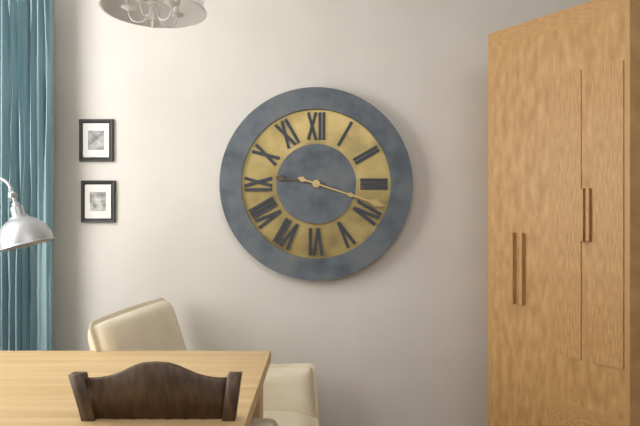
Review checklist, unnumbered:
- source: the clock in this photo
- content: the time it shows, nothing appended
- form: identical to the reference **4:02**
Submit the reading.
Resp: **9:18**
